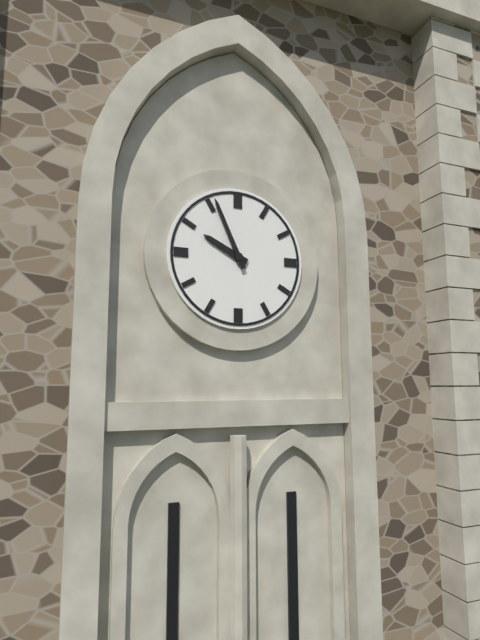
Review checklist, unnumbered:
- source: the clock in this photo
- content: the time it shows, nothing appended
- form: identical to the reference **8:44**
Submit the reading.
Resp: **9:56**
